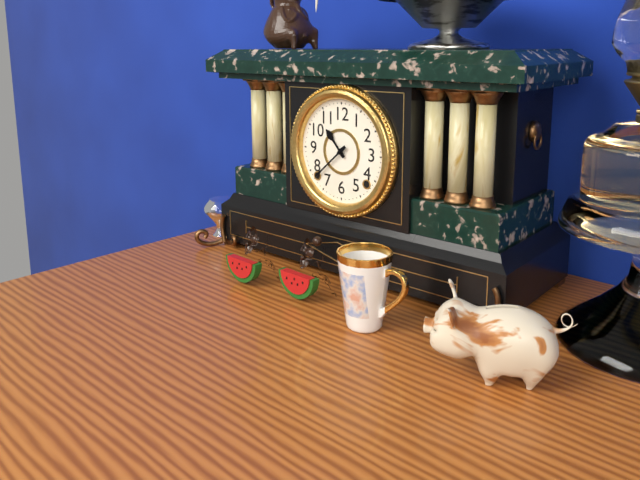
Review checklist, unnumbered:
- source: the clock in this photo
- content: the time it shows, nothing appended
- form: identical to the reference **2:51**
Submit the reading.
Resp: **10:38**
